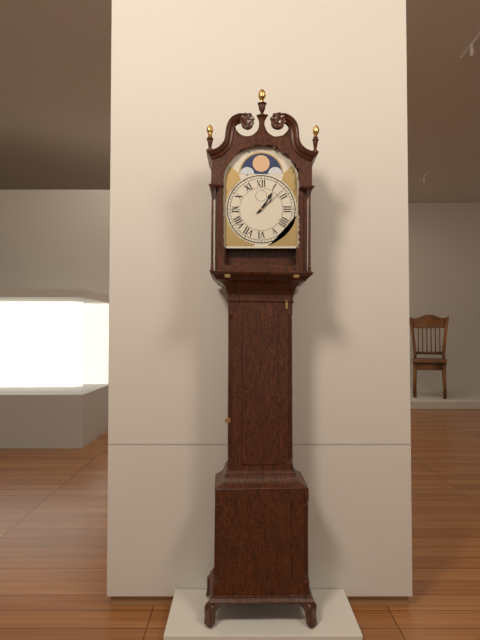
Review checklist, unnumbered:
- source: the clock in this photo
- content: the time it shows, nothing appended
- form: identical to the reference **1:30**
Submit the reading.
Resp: **1:08**
